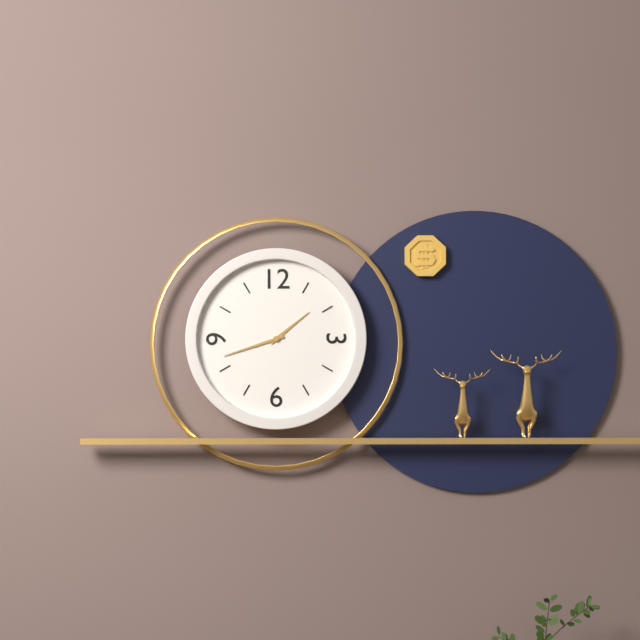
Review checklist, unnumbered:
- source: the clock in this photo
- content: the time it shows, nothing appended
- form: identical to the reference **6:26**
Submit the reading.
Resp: **1:42**
